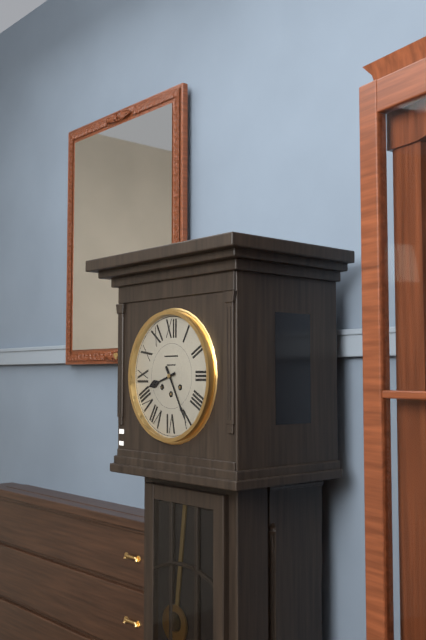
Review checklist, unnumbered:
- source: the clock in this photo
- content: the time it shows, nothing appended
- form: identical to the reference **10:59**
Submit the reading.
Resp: **8:25**
